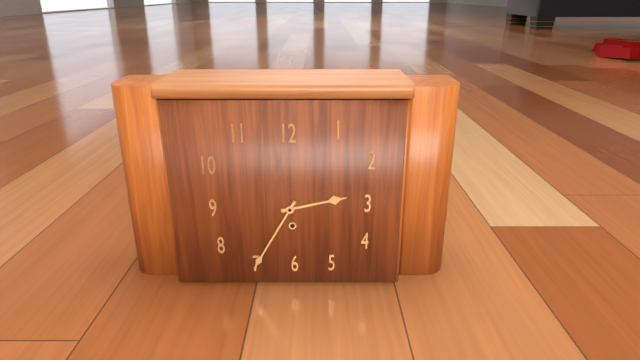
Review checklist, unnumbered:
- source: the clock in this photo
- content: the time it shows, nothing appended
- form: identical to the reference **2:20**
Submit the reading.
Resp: **2:35**
